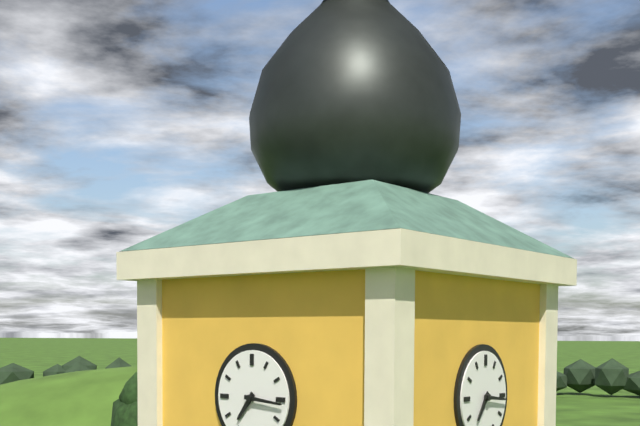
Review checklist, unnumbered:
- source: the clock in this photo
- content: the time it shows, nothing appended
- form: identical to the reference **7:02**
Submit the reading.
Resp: **7:16**
